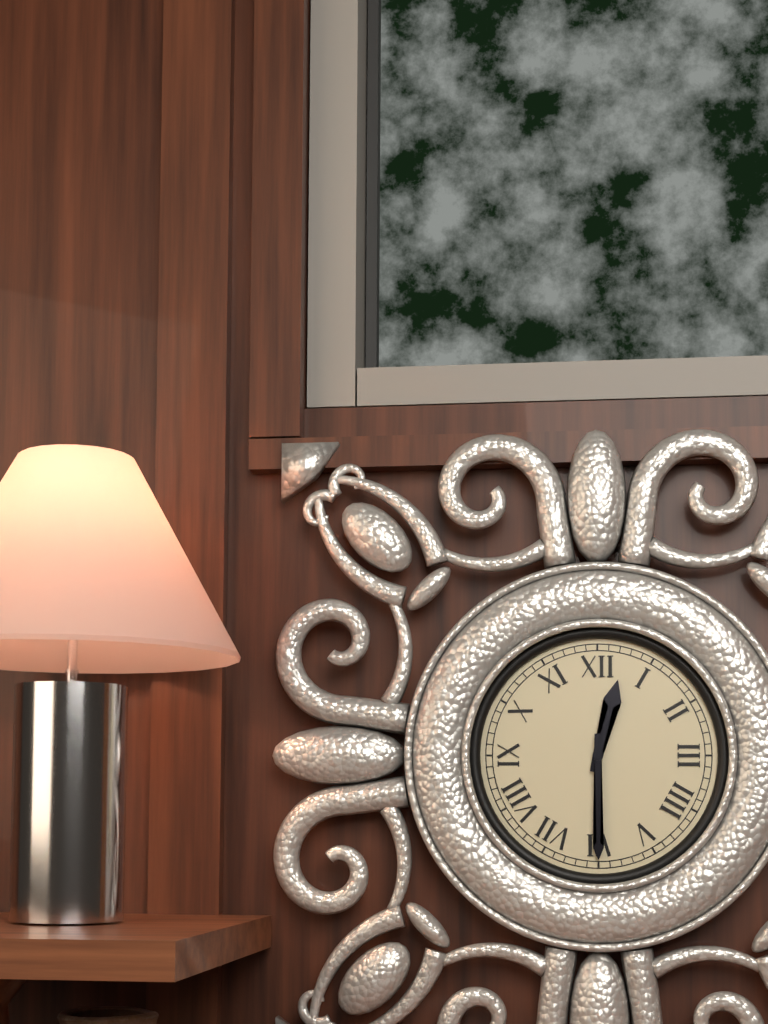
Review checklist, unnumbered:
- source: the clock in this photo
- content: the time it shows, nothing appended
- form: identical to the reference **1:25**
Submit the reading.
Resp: **12:30**
